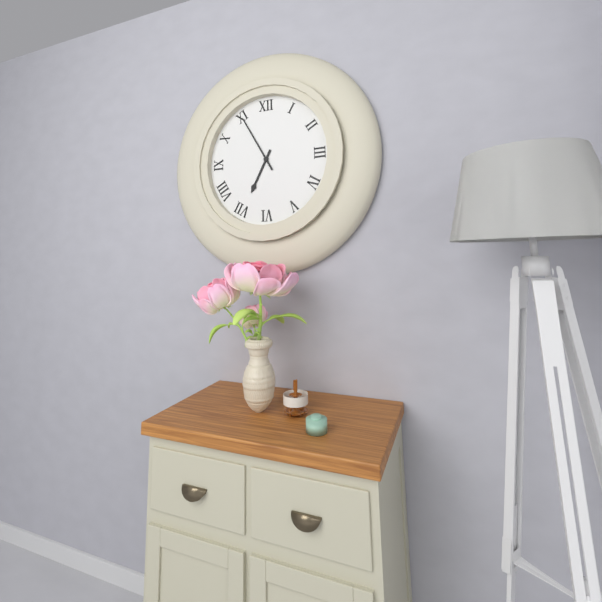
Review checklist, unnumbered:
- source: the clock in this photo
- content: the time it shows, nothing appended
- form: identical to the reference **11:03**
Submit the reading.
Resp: **6:55**
